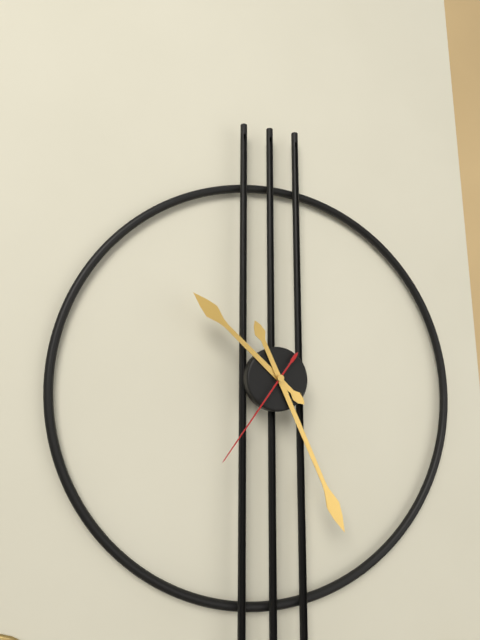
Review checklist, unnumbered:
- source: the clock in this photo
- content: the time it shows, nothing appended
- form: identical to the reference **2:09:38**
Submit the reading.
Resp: **10:26:36**
